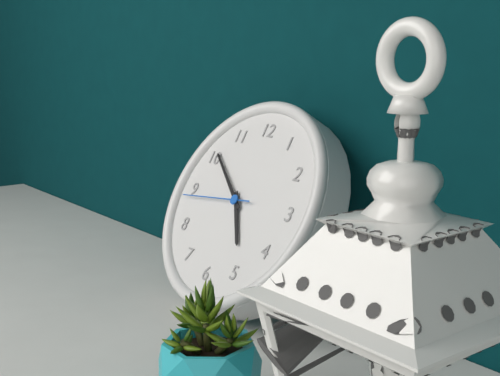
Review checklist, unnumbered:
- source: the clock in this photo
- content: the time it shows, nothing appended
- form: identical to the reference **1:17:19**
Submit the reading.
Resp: **4:51:44**
